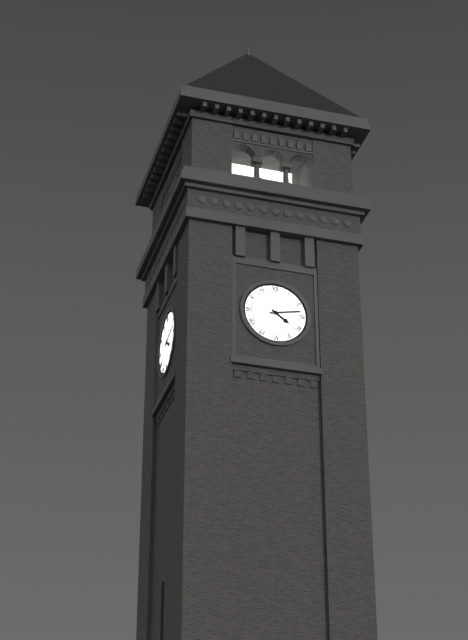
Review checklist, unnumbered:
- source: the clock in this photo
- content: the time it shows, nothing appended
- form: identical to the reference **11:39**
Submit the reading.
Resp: **4:13**
